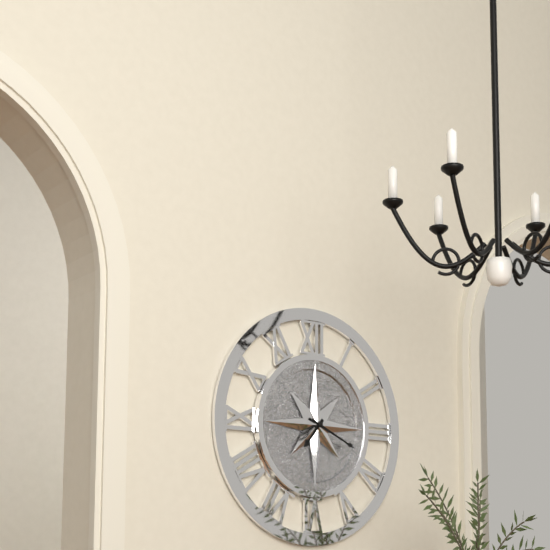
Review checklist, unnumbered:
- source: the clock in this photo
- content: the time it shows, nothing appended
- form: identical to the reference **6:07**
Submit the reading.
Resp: **7:19**
